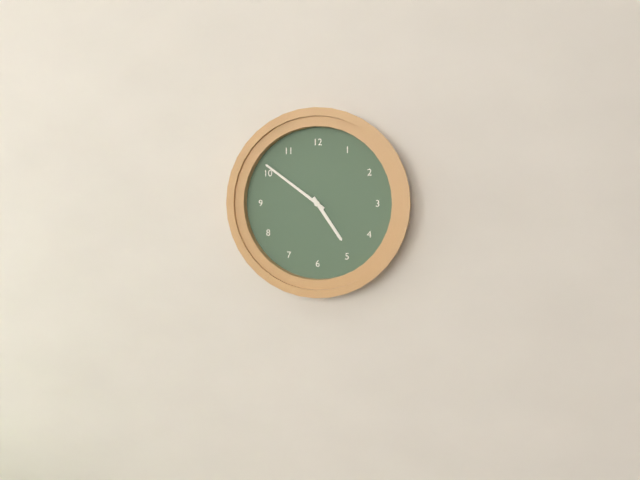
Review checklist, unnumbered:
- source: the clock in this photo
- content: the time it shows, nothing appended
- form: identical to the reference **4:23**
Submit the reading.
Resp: **4:51**
